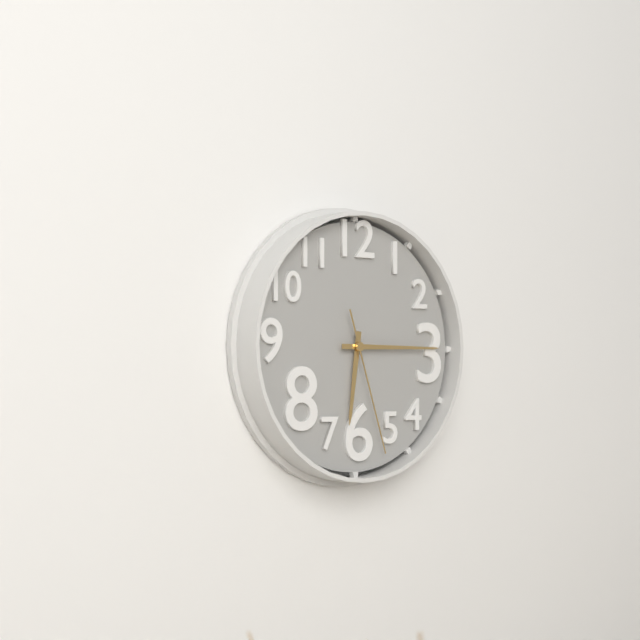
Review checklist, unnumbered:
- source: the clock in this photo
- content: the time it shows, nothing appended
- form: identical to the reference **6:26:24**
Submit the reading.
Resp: **6:15:27**
